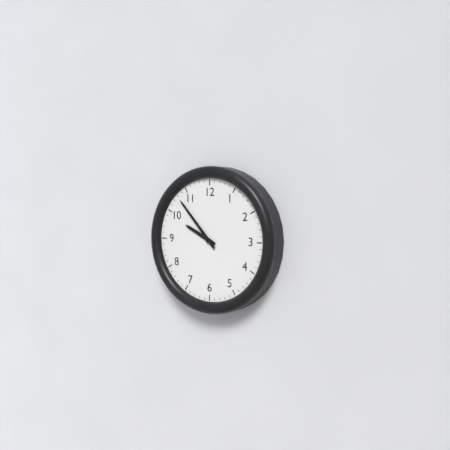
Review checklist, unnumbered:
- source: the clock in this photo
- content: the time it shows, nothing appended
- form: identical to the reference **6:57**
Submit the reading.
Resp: **9:53**
